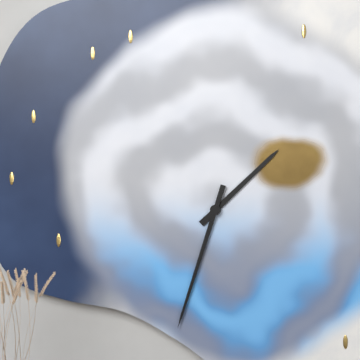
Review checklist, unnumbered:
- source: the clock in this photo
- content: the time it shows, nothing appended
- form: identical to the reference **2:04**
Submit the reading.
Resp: **1:33**
